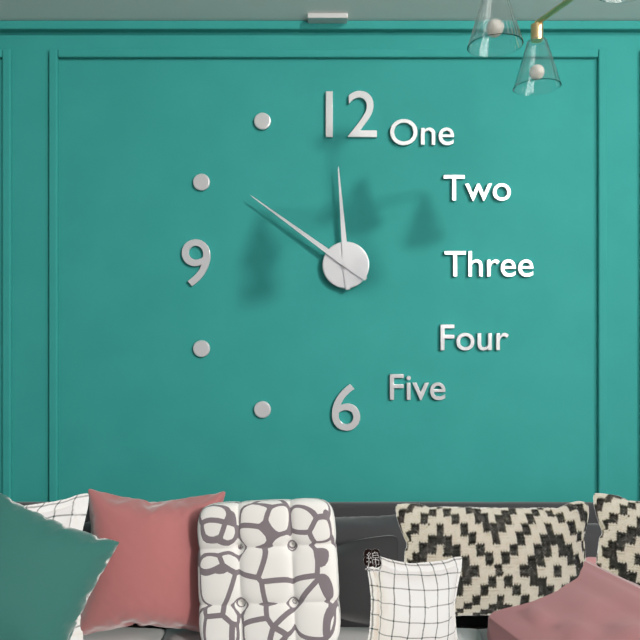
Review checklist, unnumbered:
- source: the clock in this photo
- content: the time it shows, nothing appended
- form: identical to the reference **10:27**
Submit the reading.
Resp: **11:51**
